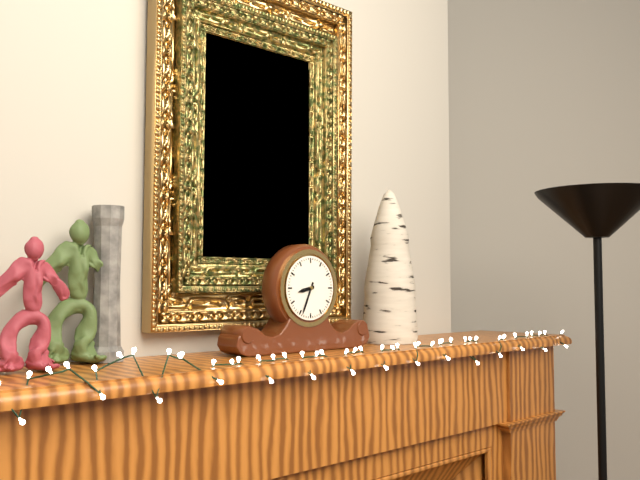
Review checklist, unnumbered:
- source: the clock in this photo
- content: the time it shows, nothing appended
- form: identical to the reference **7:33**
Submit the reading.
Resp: **8:34**
